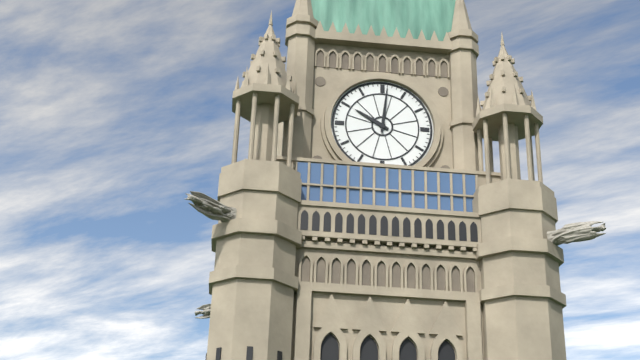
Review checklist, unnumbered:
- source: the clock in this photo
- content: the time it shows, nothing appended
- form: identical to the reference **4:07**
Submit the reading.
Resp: **10:01**
